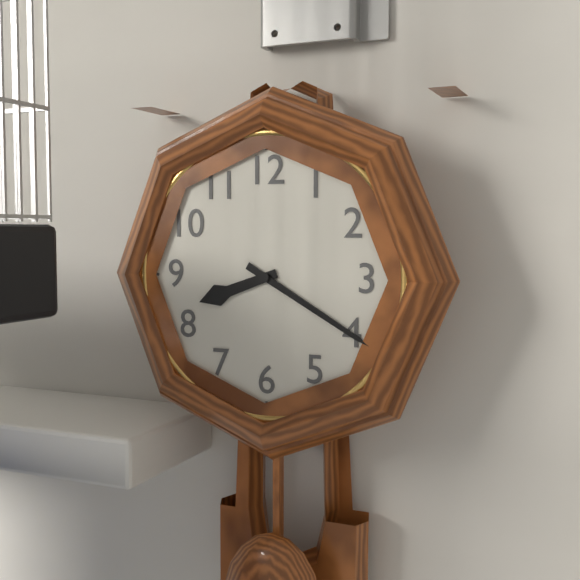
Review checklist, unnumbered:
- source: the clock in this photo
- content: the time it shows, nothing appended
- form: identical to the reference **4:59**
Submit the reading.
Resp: **8:20**
